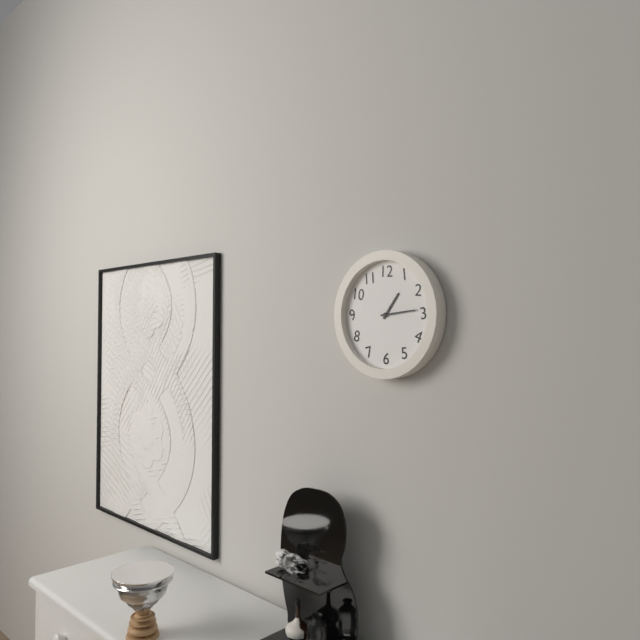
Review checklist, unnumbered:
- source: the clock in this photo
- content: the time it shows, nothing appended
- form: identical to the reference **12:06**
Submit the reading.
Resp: **1:14**
